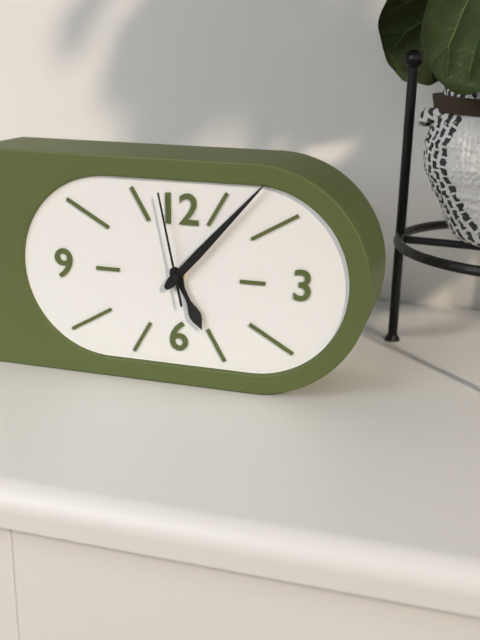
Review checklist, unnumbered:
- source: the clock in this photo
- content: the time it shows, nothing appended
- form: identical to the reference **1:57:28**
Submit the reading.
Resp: **5:07:58**
